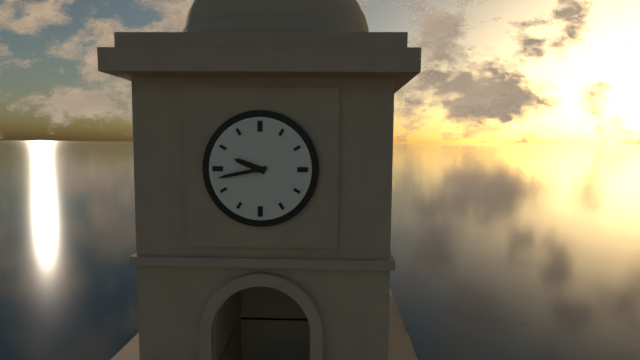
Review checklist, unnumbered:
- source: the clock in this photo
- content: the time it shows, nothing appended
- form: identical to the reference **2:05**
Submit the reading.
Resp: **9:43**
